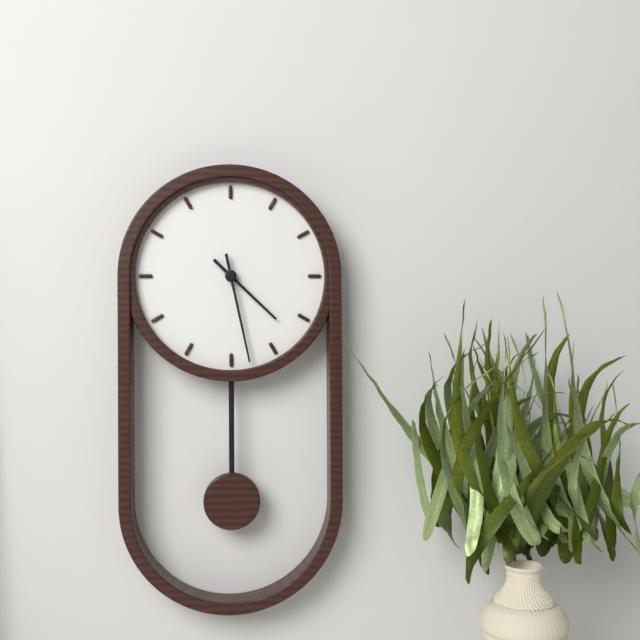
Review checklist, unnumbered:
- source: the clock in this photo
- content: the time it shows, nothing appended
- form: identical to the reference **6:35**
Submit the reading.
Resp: **4:28**
